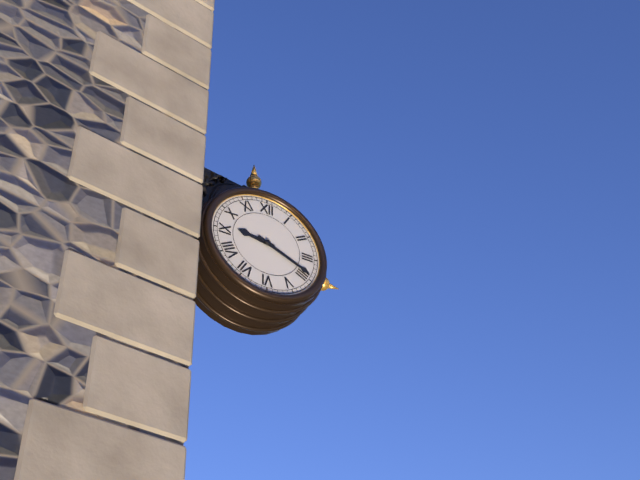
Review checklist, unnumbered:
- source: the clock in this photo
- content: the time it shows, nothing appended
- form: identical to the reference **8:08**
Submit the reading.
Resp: **9:19**
